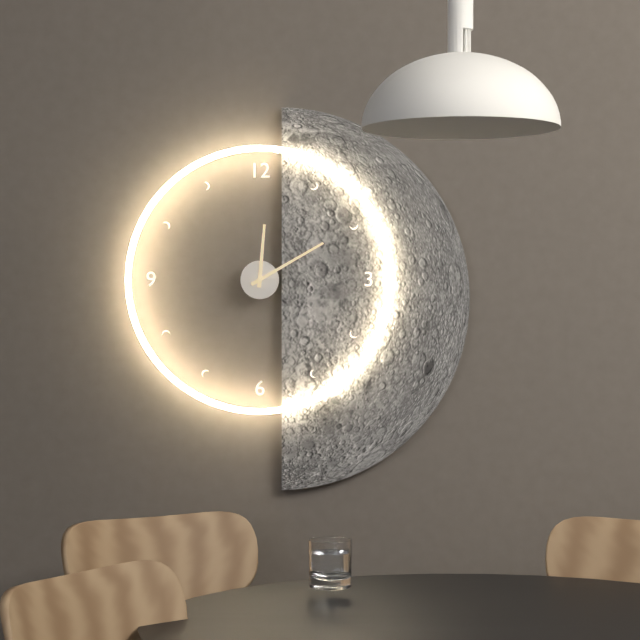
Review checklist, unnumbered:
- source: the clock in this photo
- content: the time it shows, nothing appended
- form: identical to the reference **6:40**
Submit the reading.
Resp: **12:10**
